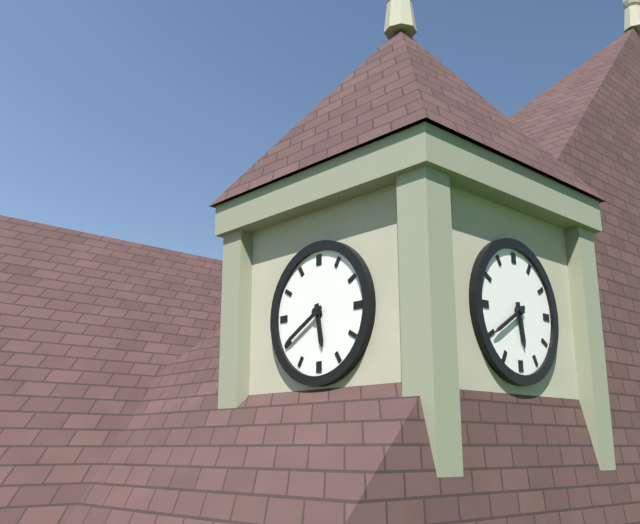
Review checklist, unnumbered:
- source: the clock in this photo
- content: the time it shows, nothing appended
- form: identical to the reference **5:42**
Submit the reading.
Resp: **5:40**
